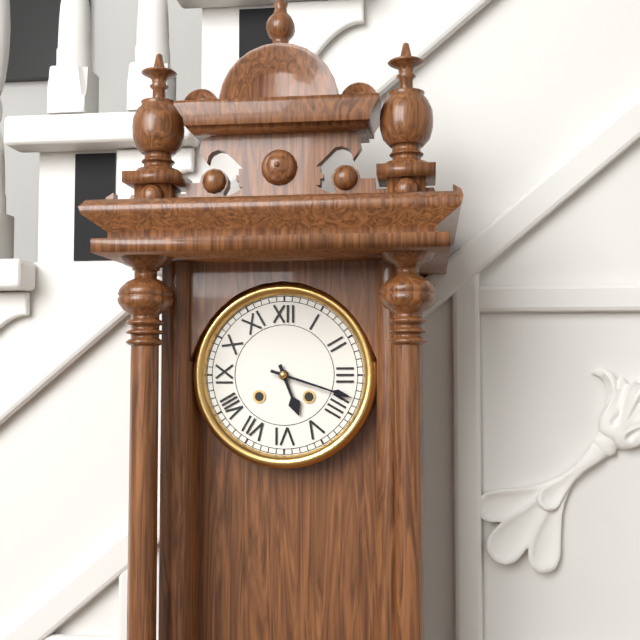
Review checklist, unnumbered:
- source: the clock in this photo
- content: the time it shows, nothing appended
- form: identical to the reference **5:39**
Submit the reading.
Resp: **5:18**
